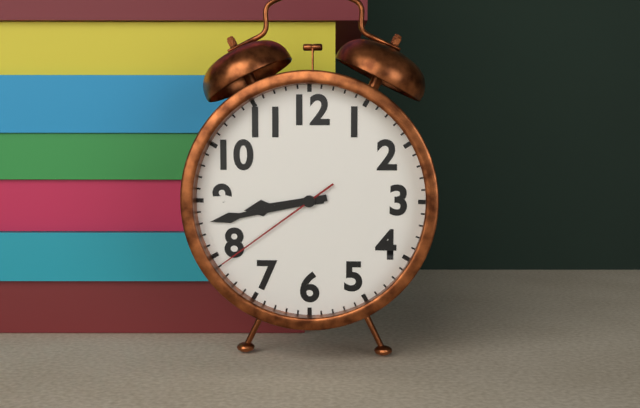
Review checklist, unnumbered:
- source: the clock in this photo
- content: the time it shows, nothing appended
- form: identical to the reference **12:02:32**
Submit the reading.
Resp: **8:43:39**
